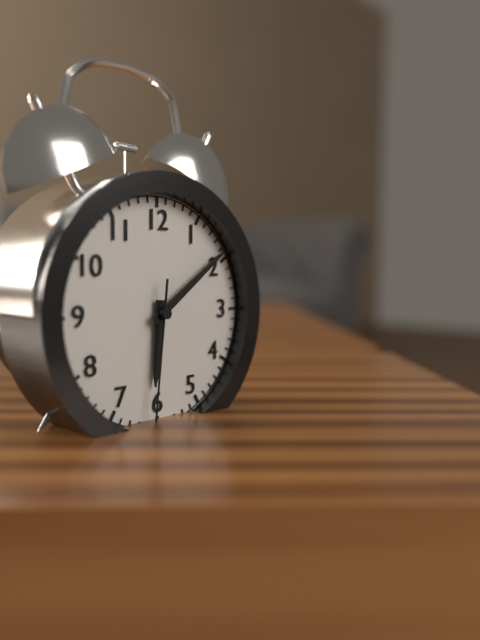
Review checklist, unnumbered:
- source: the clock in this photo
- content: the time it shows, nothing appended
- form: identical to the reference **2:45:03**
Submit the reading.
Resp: **6:09:31**
